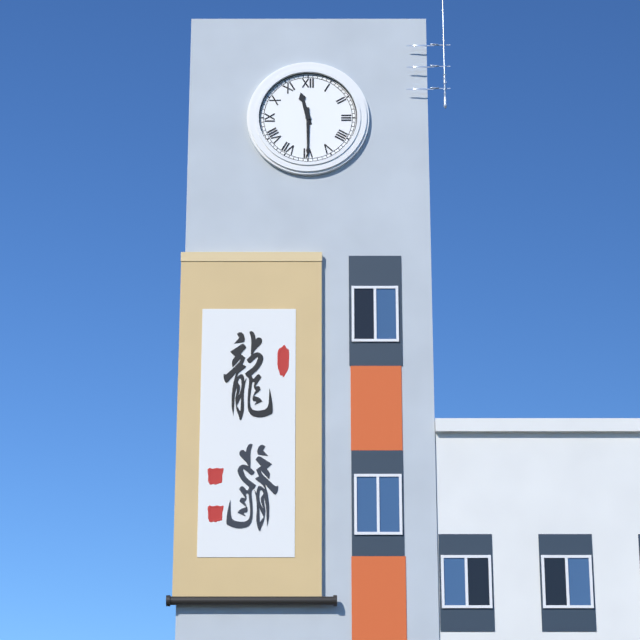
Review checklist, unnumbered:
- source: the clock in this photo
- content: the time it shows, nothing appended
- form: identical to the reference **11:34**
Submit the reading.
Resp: **11:30**
